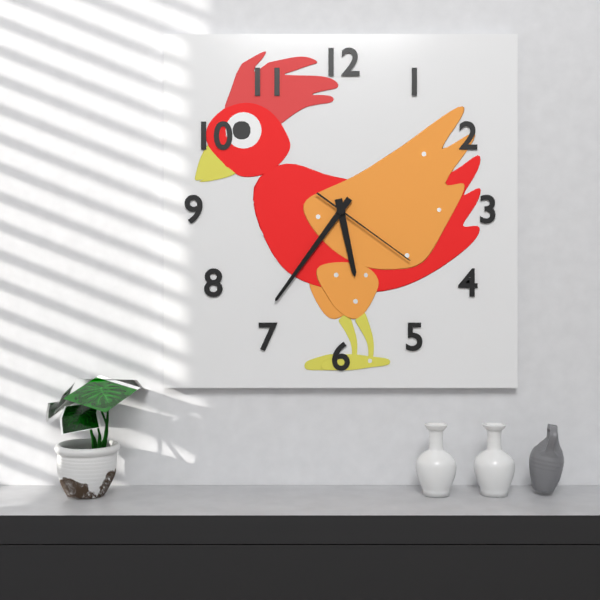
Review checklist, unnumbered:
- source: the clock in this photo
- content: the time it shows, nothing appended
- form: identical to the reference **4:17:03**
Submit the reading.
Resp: **5:36:21**
